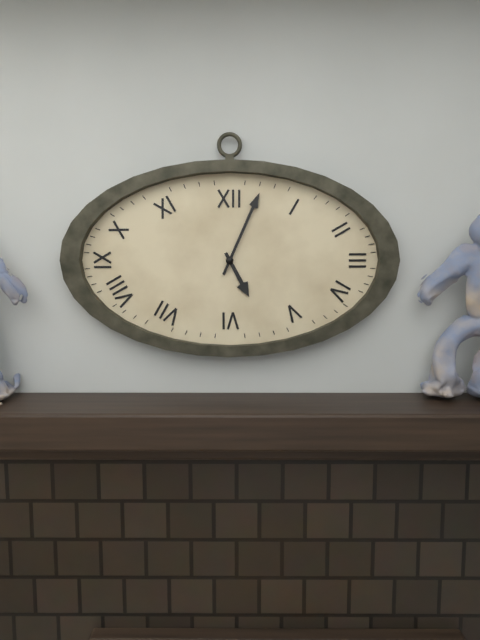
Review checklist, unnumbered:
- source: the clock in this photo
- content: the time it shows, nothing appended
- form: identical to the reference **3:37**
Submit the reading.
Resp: **5:04**
